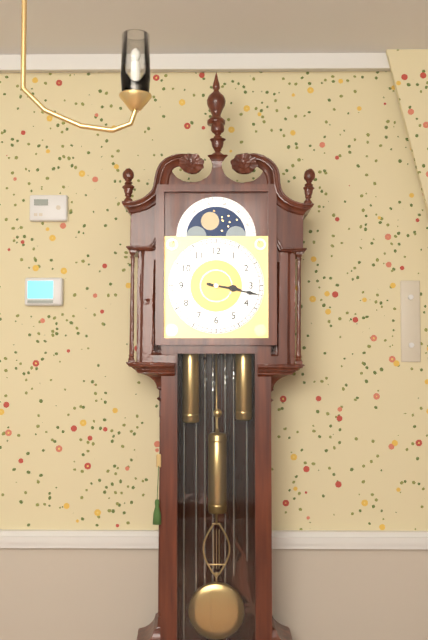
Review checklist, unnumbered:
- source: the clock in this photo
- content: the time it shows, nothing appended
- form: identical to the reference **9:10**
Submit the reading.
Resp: **3:17**
